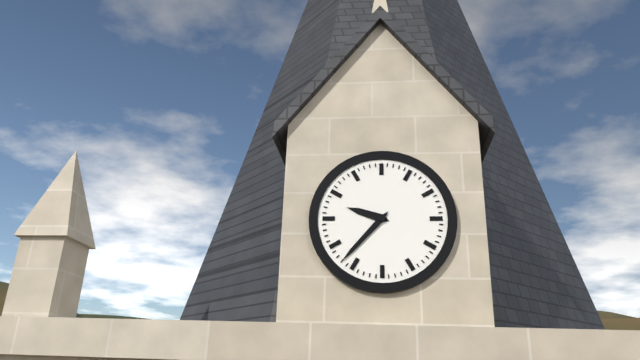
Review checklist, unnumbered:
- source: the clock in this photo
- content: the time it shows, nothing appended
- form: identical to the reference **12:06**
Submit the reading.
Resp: **9:37**
